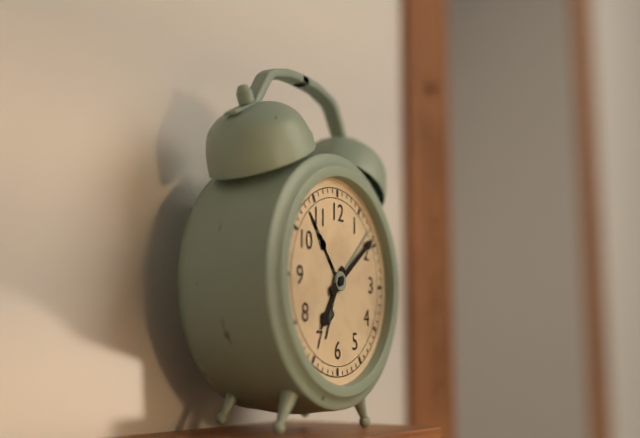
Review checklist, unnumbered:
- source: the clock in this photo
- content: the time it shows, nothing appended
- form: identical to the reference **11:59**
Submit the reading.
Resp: **7:09**
